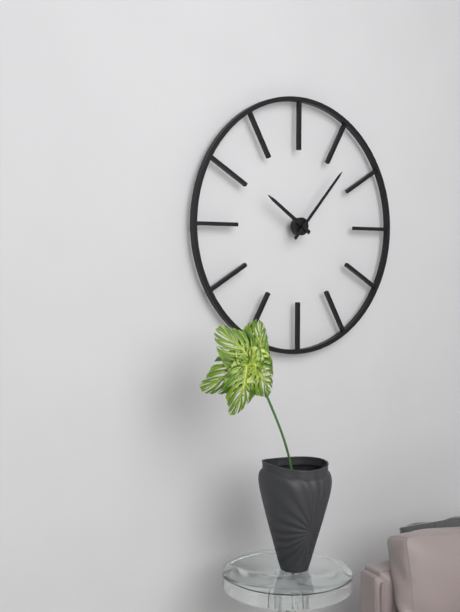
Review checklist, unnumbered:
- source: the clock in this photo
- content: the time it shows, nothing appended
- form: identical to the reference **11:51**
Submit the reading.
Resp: **10:07**
